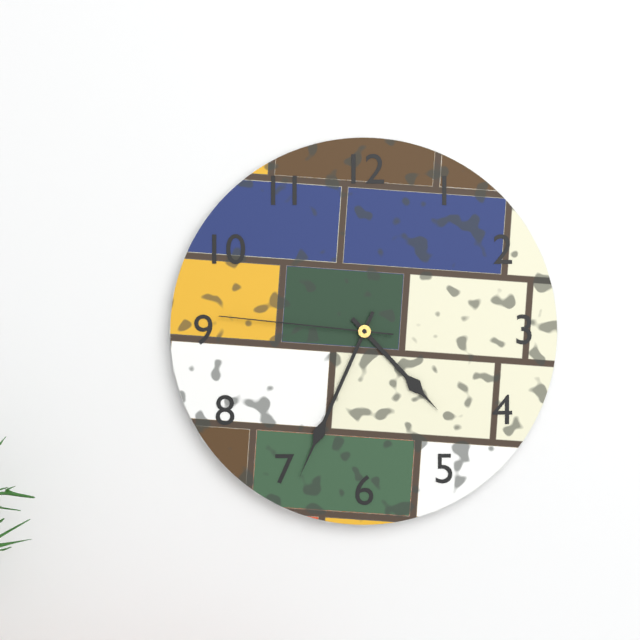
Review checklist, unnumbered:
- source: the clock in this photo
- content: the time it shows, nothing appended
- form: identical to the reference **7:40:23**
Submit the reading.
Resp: **4:34:46**
